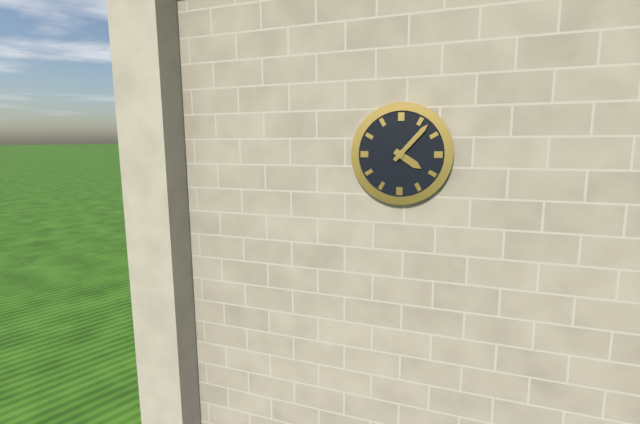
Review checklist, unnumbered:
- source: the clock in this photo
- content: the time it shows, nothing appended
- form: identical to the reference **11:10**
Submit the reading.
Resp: **4:07**
